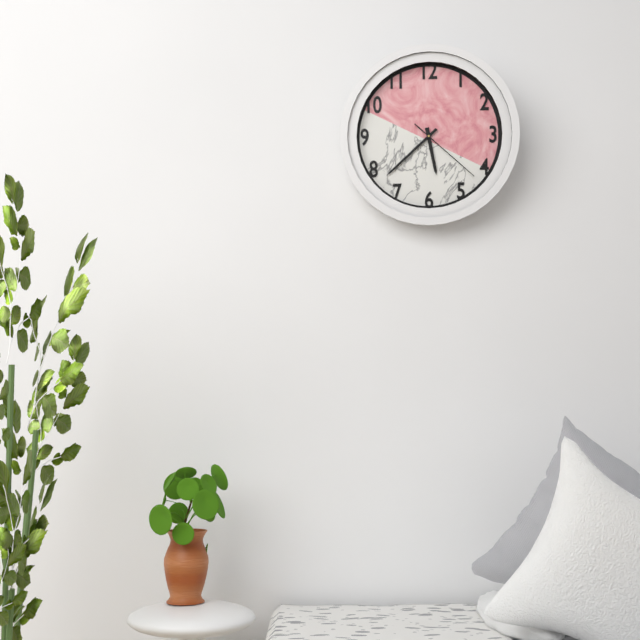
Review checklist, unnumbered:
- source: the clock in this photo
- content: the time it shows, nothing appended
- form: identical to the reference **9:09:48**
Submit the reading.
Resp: **5:38:22**
